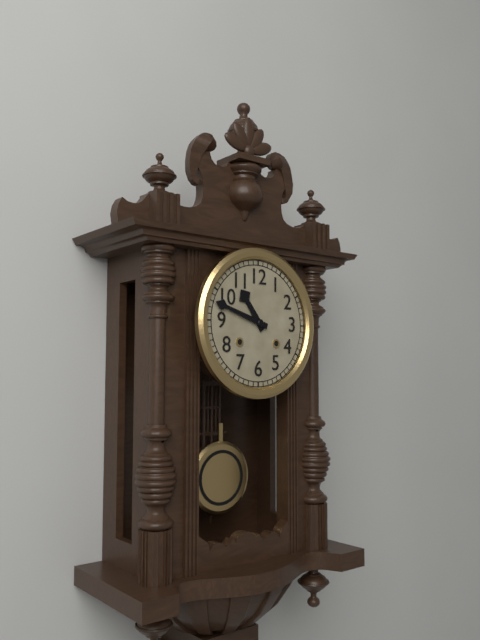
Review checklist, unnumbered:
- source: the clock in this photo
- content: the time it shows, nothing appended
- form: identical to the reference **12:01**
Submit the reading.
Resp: **10:48**
